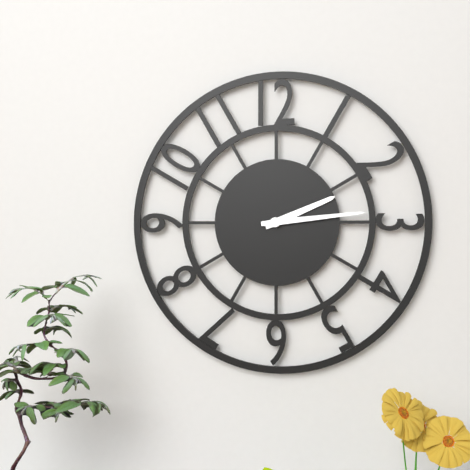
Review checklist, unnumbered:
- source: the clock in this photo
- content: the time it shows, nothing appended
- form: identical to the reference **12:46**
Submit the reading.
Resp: **2:14**
